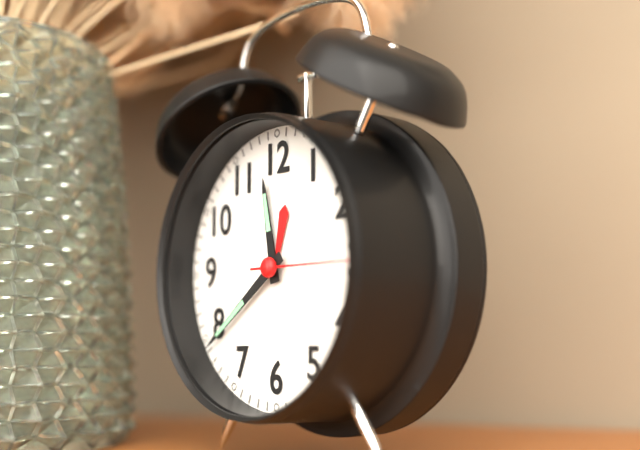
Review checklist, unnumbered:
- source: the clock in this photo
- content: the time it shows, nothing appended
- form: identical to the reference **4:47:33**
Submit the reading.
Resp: **11:39:15**
